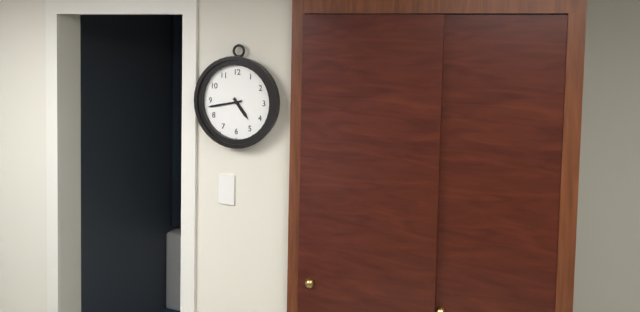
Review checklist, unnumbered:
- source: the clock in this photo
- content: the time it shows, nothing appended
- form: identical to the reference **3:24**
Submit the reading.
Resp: **4:43**
